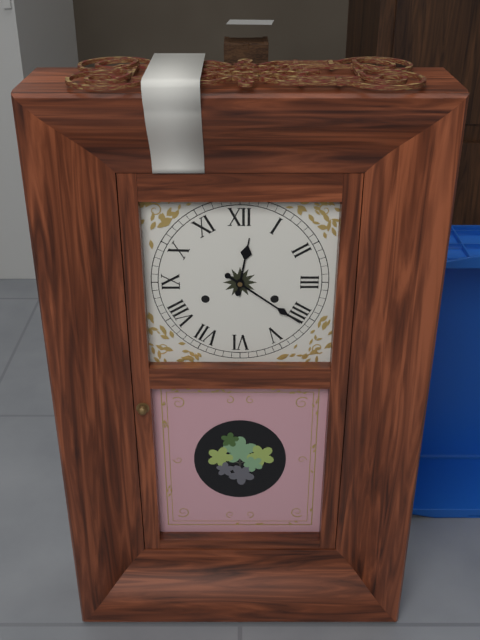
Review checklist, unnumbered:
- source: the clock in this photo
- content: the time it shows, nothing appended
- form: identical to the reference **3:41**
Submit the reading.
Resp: **12:21**
